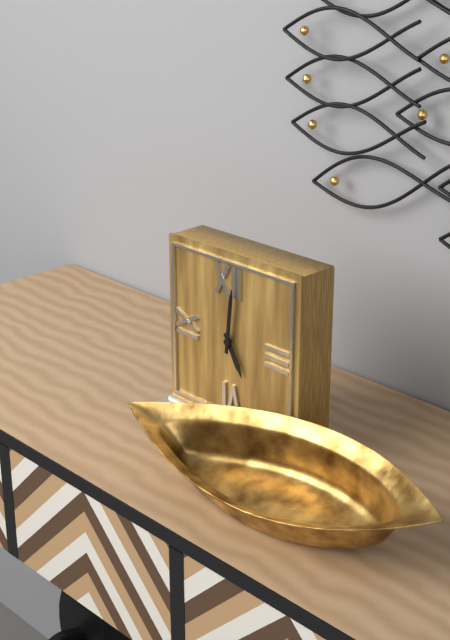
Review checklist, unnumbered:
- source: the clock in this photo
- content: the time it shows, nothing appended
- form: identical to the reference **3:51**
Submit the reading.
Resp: **5:01**
